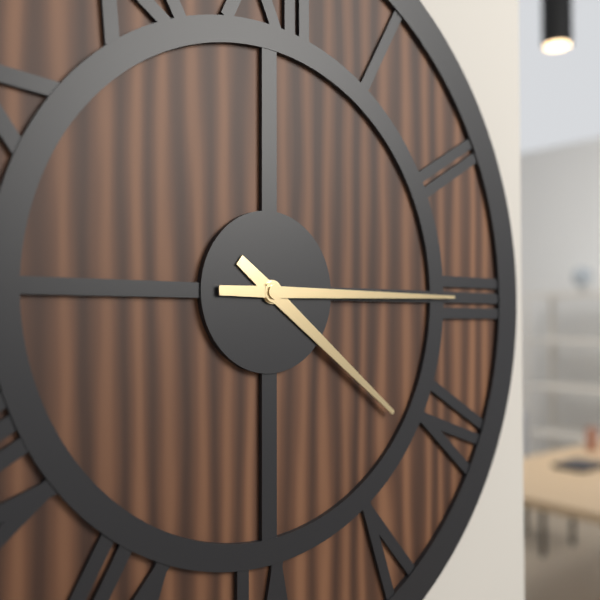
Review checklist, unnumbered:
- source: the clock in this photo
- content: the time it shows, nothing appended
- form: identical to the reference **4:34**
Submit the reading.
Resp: **4:15**
